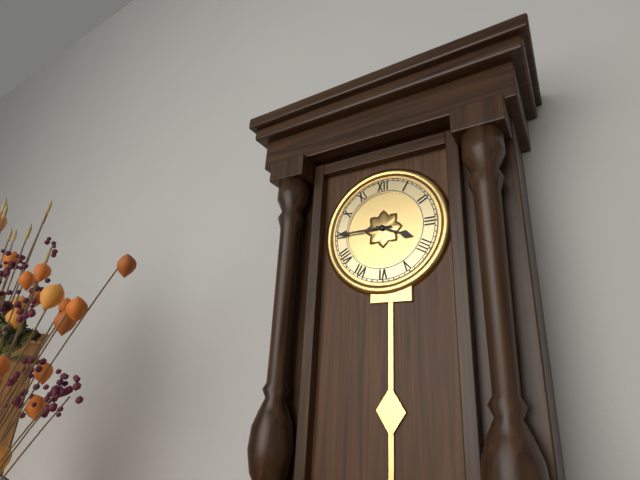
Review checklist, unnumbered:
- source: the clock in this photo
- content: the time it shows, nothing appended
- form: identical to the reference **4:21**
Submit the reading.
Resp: **3:45**
